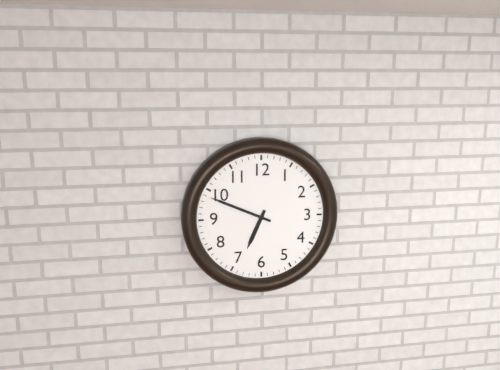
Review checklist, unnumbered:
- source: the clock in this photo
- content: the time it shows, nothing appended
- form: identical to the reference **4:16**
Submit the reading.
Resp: **6:49**
